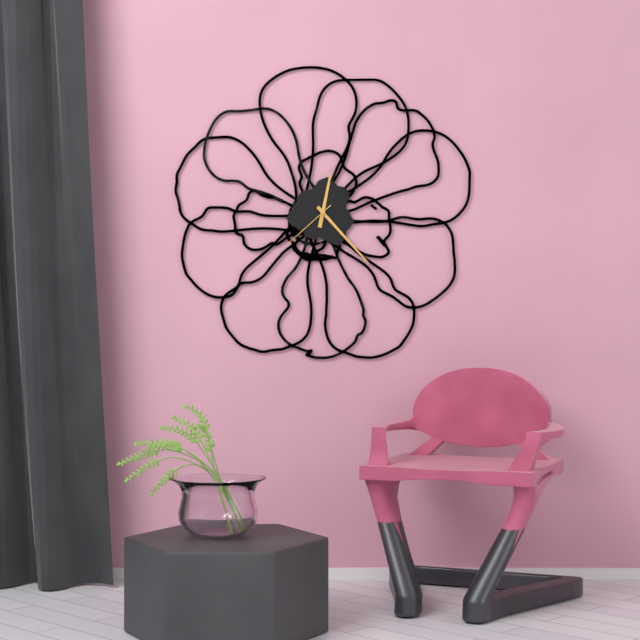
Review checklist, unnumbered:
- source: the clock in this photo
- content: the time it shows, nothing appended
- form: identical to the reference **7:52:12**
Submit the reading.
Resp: **12:23:38**
